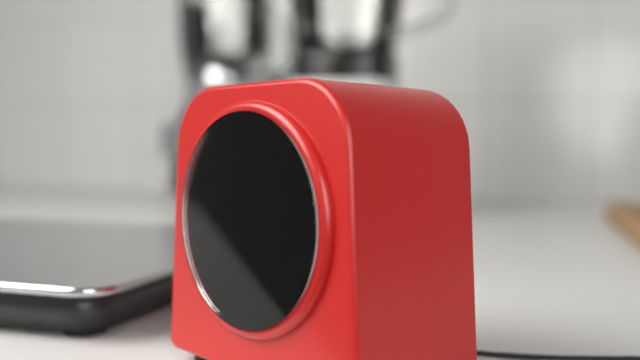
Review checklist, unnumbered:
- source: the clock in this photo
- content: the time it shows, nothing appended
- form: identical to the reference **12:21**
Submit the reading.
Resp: **6:23**
